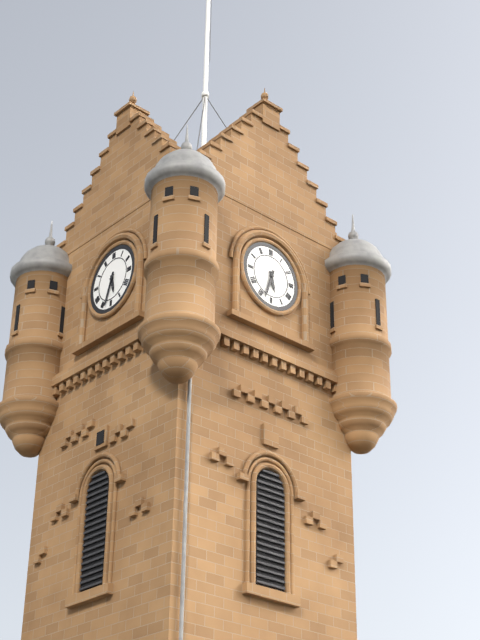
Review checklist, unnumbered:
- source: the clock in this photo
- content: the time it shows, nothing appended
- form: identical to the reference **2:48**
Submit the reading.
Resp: **5:33**
